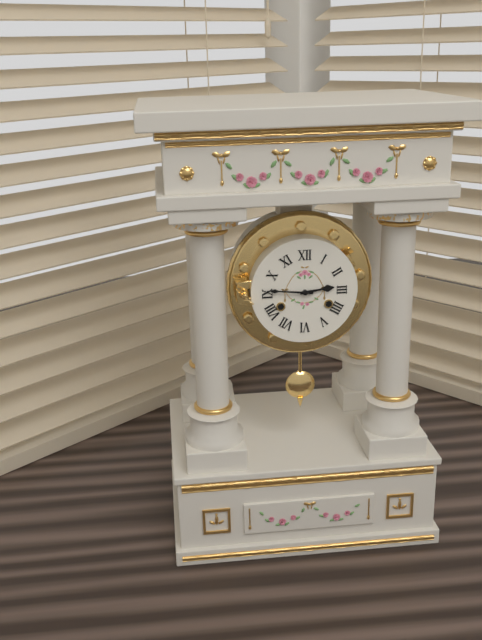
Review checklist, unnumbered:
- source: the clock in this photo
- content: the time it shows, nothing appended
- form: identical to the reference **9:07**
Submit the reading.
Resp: **2:46**
